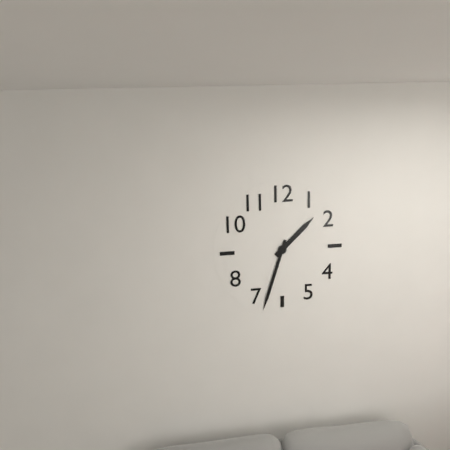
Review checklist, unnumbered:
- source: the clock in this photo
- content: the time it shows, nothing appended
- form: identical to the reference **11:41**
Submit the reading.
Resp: **1:33**
